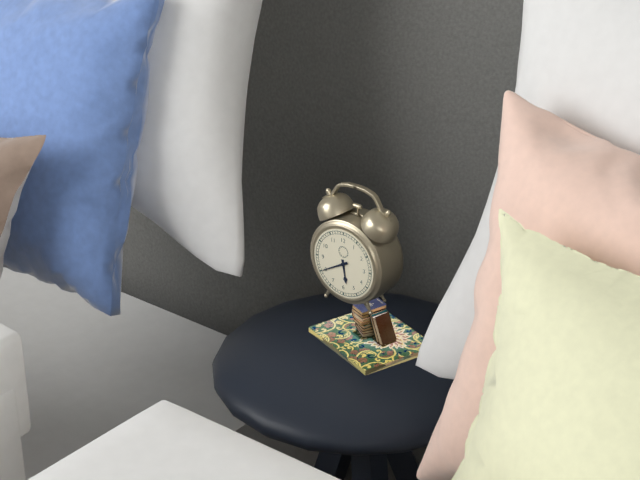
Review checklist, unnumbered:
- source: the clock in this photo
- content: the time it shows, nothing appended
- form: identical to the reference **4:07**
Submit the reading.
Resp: **5:40**
